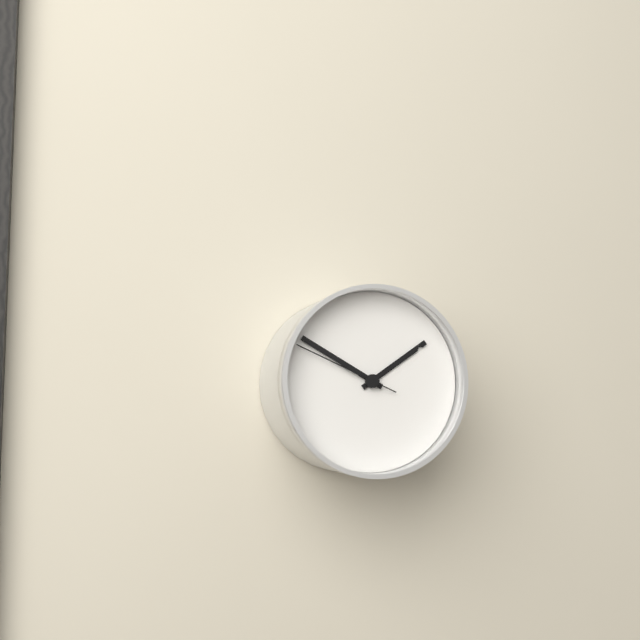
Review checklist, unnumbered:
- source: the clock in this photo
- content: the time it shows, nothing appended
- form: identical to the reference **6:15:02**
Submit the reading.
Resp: **1:50:49**
